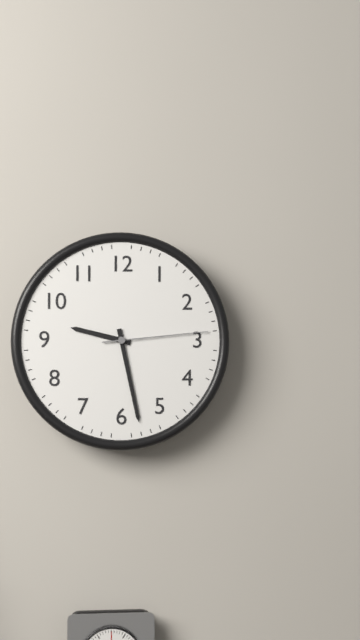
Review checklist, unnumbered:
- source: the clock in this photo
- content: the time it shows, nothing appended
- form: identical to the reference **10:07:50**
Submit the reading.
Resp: **9:28:14**
